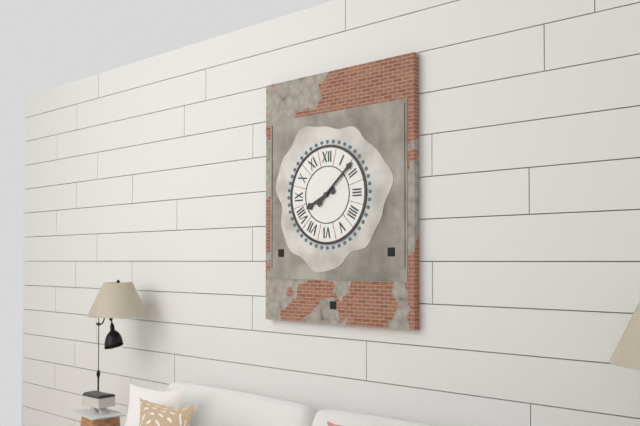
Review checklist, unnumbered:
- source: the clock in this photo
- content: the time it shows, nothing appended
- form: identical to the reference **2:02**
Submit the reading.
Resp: **8:08**
